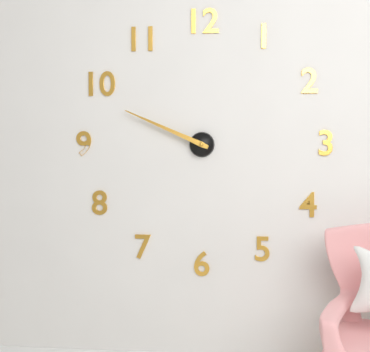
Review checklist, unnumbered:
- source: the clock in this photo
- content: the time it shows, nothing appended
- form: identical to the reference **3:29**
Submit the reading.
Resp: **9:49**
